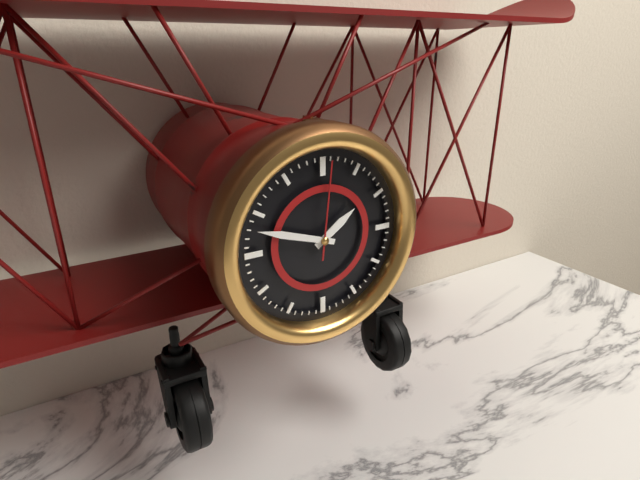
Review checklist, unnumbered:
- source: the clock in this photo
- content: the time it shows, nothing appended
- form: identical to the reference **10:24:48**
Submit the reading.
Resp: **1:48:01**
